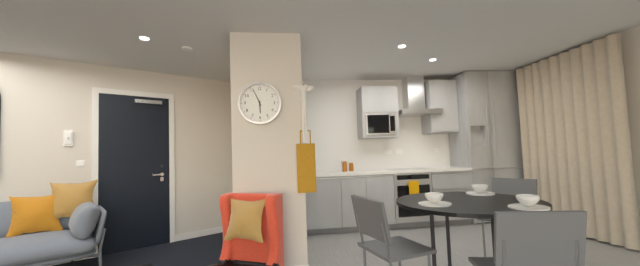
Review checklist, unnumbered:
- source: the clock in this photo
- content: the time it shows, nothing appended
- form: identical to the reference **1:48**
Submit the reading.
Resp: **5:56**
